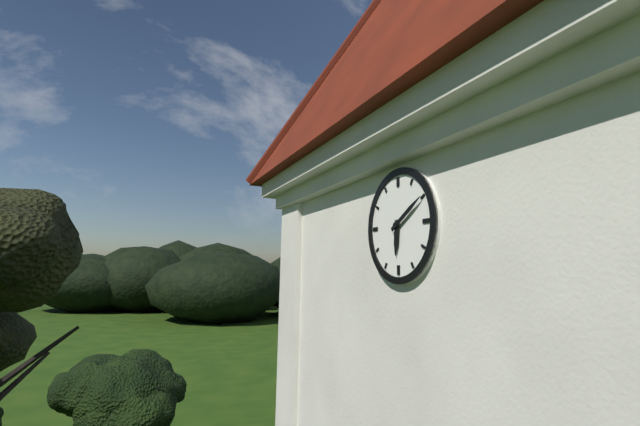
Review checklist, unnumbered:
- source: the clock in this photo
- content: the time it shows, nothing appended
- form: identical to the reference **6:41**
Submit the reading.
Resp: **6:10**
